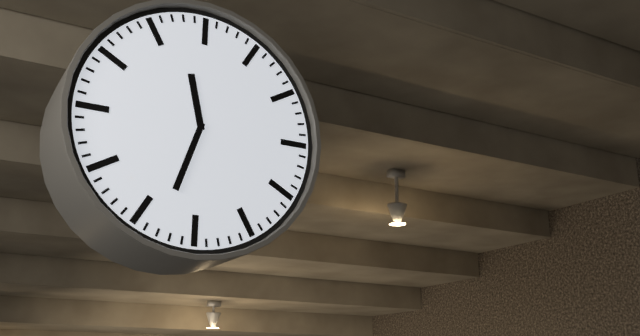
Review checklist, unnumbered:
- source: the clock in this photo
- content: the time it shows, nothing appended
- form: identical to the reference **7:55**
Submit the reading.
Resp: **11:33**
